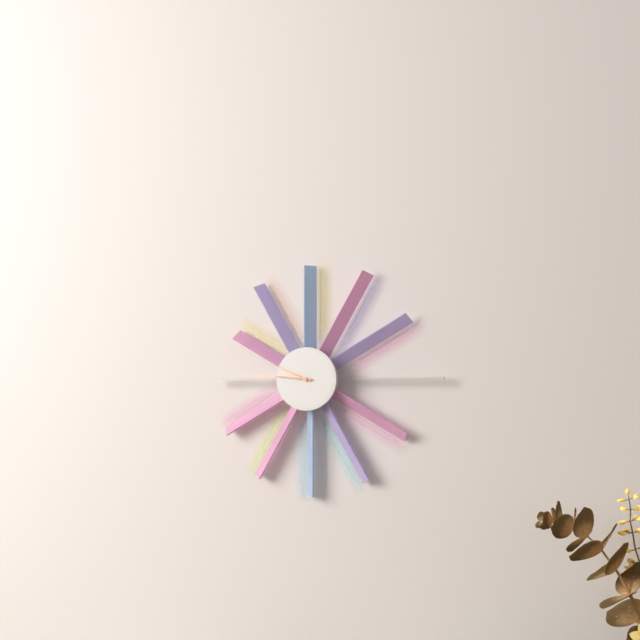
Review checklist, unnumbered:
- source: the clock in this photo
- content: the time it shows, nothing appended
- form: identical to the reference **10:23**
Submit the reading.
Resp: **9:46**
